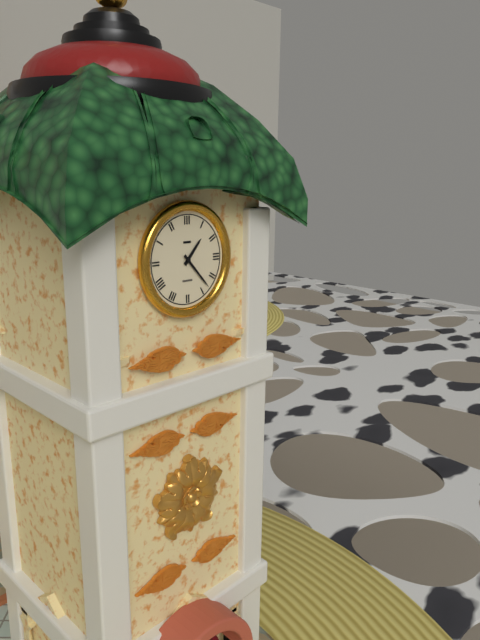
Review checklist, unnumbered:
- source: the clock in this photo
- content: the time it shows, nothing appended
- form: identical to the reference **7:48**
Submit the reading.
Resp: **1:23**
